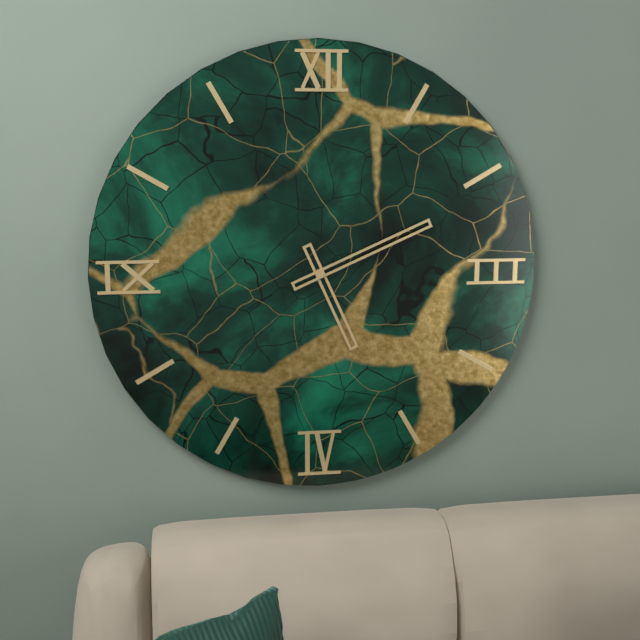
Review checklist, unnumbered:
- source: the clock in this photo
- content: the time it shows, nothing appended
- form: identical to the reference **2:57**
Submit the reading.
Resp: **5:11**
